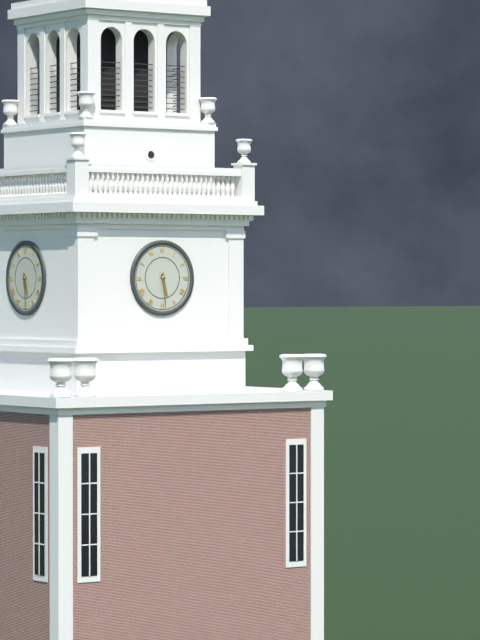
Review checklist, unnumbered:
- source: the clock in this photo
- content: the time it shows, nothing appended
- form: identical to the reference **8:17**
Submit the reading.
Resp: **5:29**
